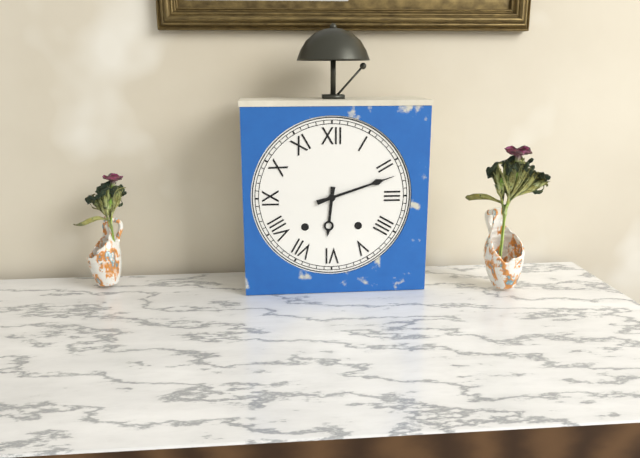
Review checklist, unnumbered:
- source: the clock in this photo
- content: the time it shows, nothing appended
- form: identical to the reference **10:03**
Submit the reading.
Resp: **6:12**
